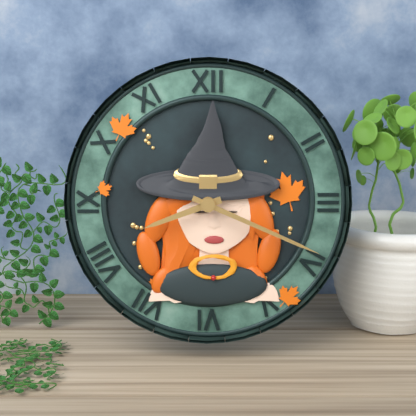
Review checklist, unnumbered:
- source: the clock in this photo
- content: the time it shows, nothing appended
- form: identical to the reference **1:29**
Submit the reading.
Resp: **8:19**
